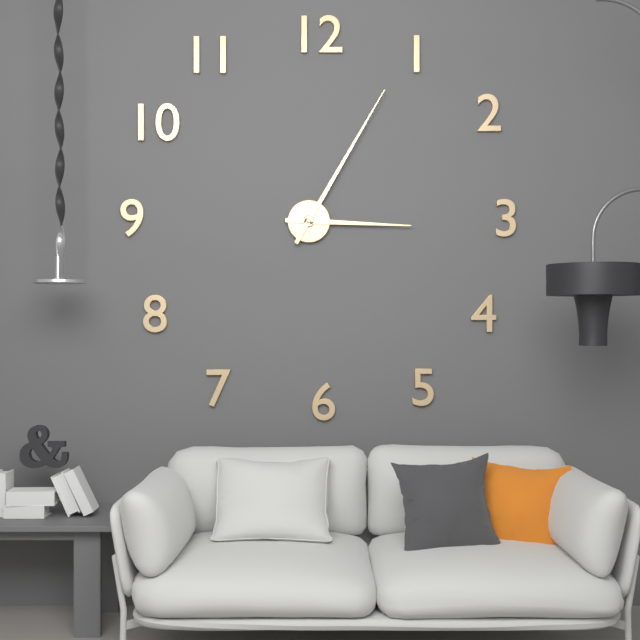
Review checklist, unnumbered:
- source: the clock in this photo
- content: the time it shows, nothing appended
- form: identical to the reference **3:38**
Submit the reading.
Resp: **3:05**
